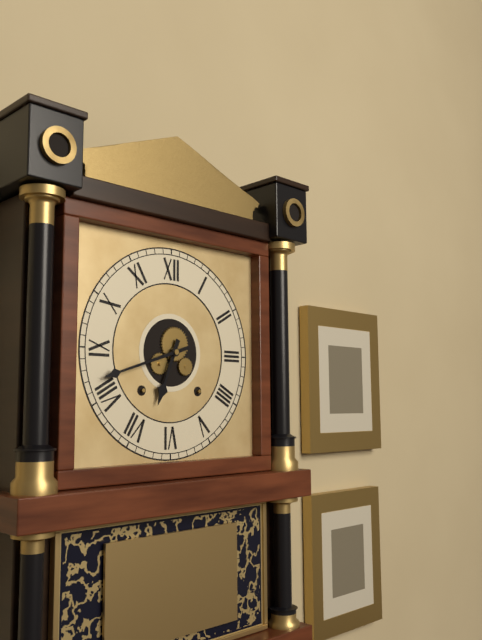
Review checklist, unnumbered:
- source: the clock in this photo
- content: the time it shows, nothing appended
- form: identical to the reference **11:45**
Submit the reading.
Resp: **6:42**
